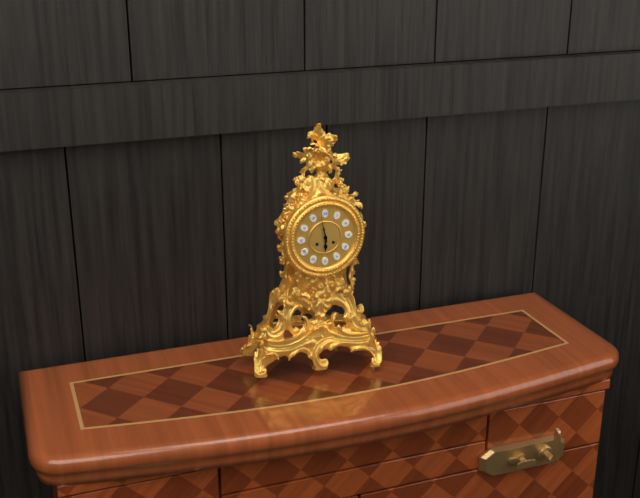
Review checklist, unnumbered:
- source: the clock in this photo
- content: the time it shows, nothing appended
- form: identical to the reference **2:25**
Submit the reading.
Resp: **5:58**
